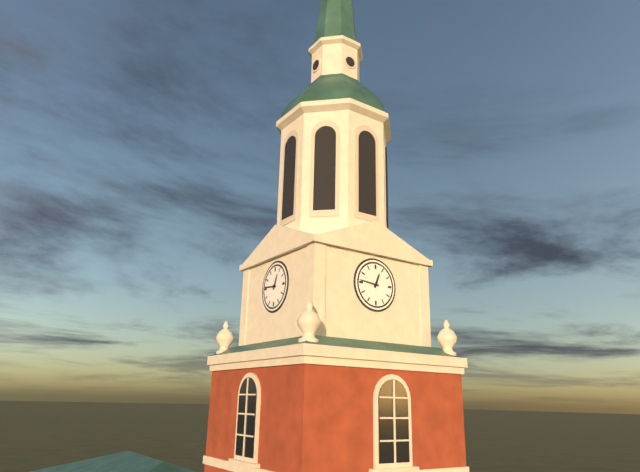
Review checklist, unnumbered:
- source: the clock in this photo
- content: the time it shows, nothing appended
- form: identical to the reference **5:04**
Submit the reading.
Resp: **12:46**
